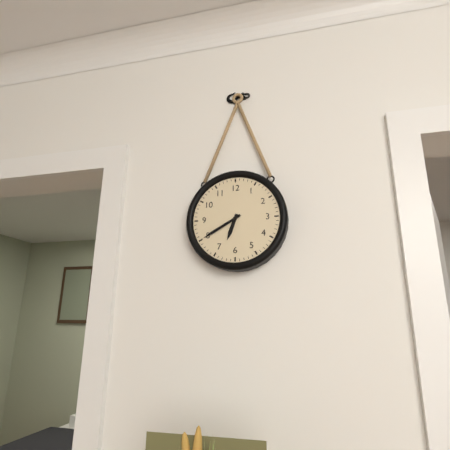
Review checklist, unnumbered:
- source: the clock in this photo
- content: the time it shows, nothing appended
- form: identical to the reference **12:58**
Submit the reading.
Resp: **6:40**
